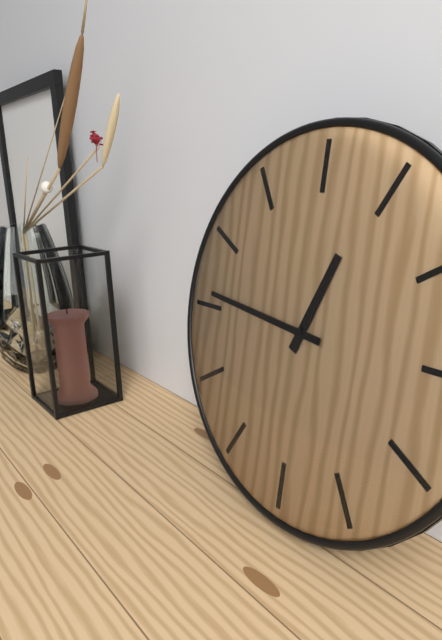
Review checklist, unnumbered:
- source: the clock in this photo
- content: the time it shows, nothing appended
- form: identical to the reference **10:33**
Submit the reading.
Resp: **12:46**
